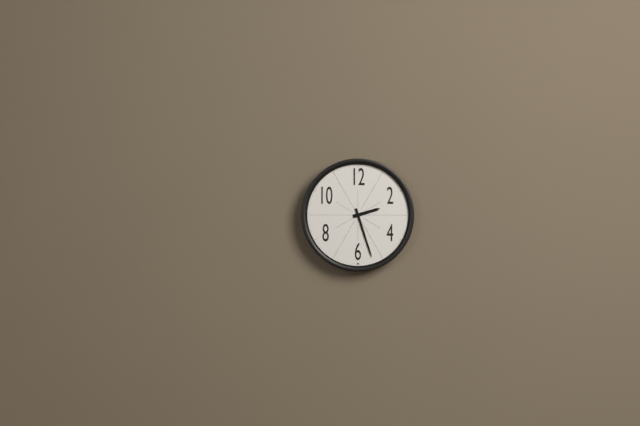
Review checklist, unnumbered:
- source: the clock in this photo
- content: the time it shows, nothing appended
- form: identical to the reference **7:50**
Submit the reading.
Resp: **2:27**
